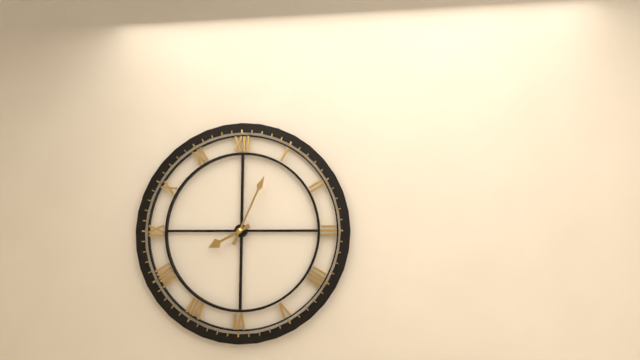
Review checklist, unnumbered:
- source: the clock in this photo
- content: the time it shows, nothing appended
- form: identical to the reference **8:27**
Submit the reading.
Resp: **8:04**
